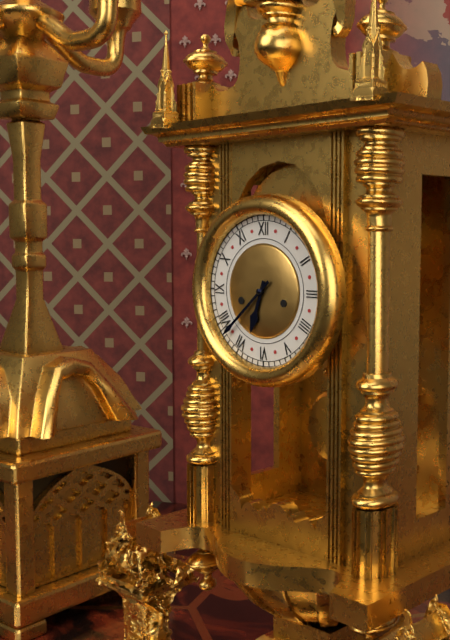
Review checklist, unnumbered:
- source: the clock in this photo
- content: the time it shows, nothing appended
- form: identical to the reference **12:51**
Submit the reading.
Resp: **6:38**
